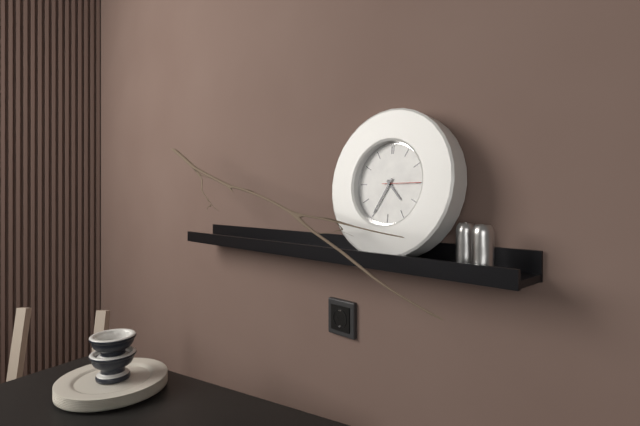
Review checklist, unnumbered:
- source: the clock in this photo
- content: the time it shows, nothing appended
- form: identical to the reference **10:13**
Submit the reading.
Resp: **4:35**
